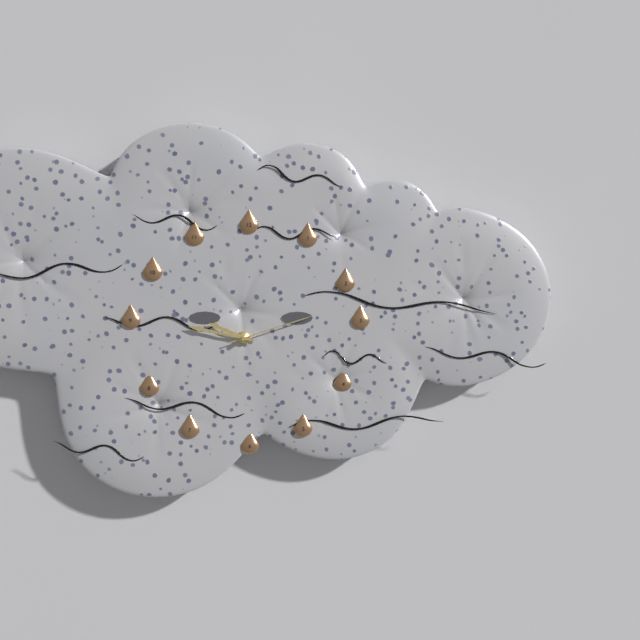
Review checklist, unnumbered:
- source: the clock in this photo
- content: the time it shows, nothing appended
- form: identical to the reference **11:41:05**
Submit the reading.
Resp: **9:47:12**
